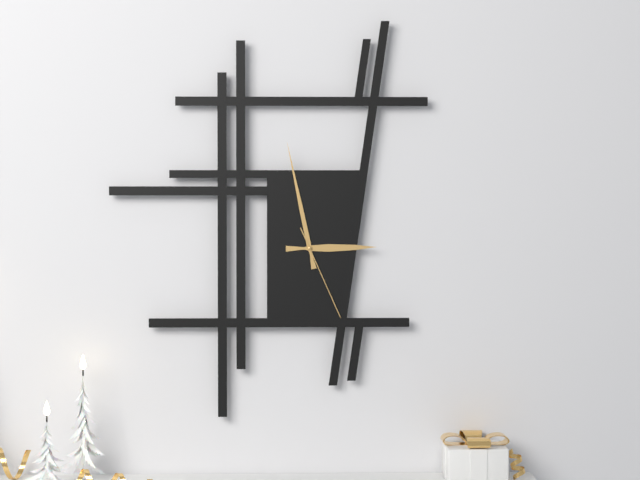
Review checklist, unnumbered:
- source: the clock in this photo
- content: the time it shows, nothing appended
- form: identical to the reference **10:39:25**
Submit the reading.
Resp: **2:58:26**
